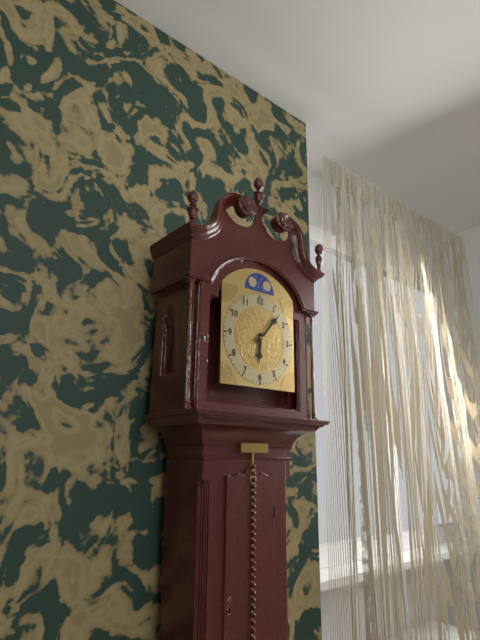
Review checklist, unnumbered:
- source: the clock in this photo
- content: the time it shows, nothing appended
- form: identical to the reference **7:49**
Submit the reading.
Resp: **6:07**
